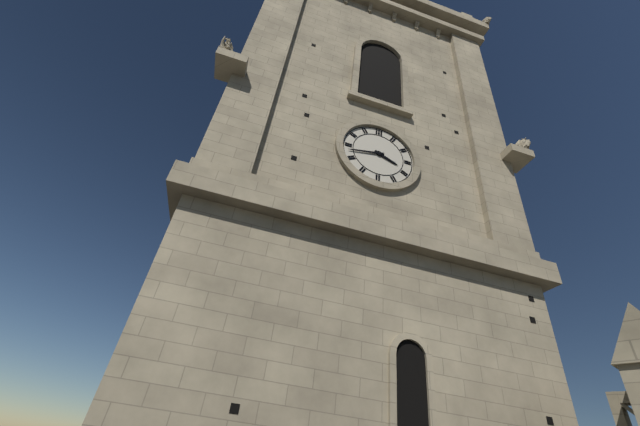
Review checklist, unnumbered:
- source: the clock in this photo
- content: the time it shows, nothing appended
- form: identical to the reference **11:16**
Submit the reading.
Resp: **3:43**
